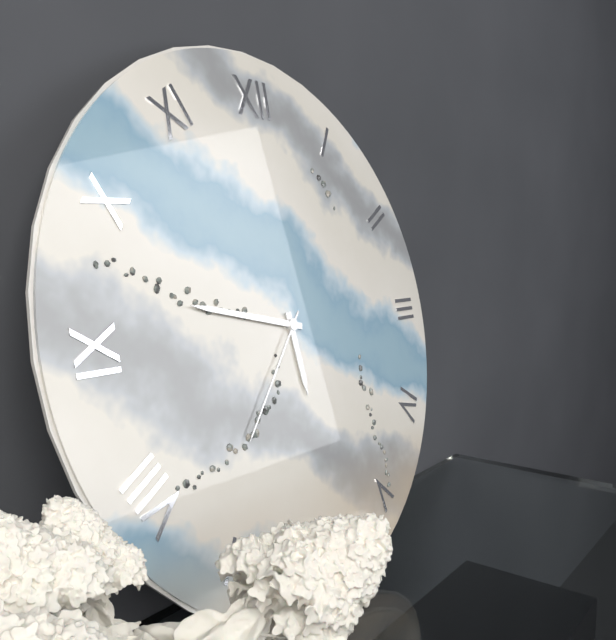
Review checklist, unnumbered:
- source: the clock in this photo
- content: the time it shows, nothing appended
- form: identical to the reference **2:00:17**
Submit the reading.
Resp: **5:47:37**
